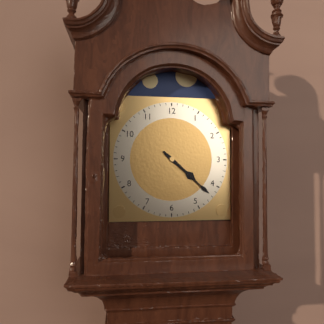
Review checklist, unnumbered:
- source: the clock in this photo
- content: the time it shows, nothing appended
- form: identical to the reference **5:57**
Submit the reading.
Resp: **4:22**
